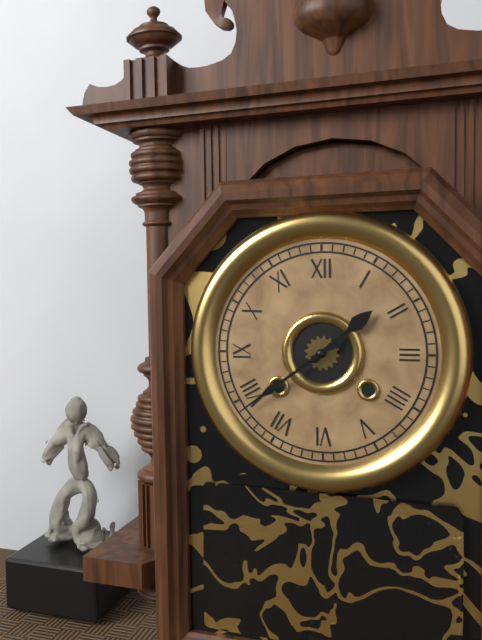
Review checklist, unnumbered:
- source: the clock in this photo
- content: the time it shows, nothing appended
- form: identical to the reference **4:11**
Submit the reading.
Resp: **1:39**
